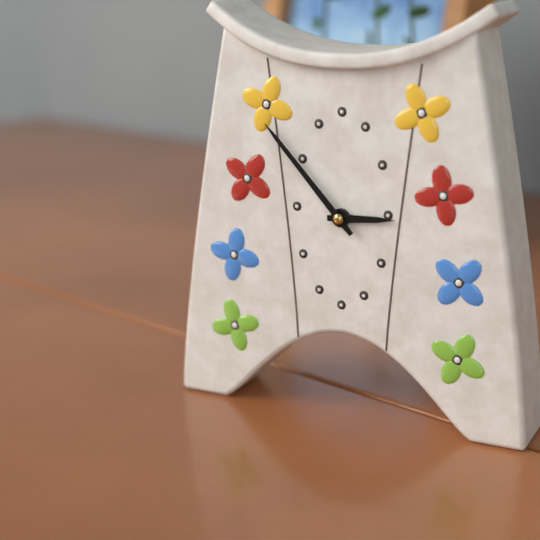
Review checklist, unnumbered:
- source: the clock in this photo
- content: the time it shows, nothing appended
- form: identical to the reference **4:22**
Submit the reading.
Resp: **2:53**
